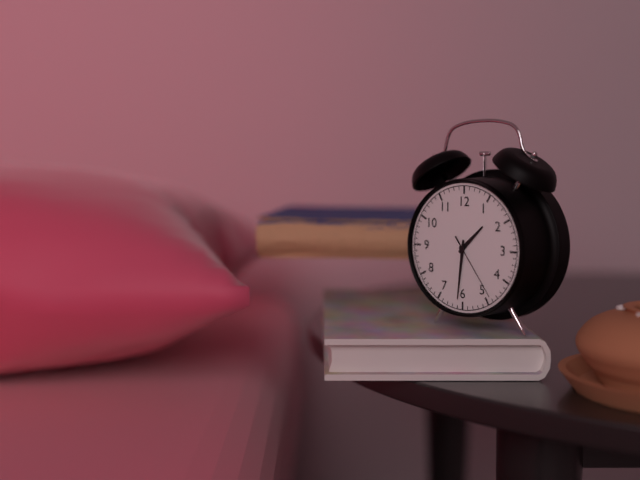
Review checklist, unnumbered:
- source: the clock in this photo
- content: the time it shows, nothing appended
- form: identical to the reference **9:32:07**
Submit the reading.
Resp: **1:31:24**
